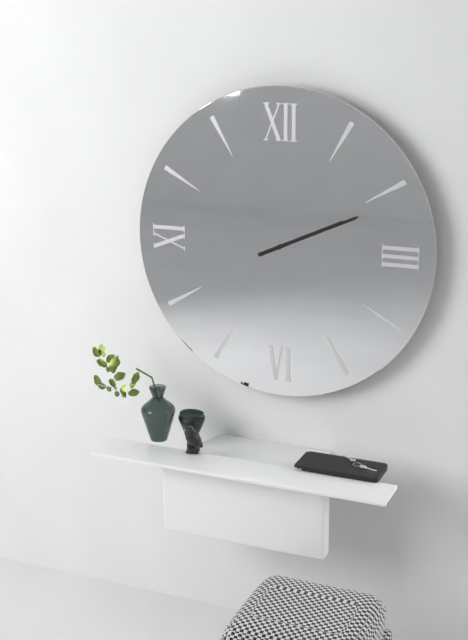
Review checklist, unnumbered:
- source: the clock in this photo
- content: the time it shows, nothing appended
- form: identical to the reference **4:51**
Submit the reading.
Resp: **2:11**
